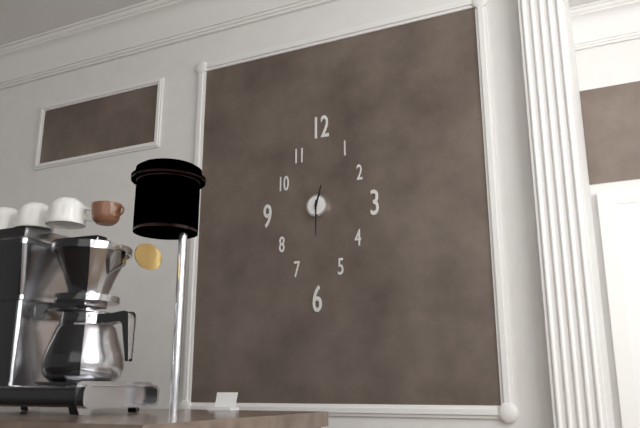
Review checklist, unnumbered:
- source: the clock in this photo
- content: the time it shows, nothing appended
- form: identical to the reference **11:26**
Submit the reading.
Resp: **12:30**
